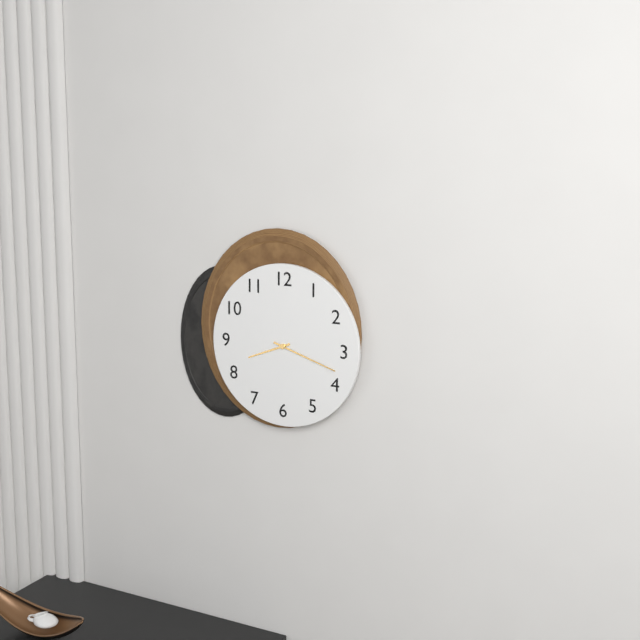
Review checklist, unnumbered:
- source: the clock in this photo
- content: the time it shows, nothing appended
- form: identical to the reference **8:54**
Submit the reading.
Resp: **8:18**
